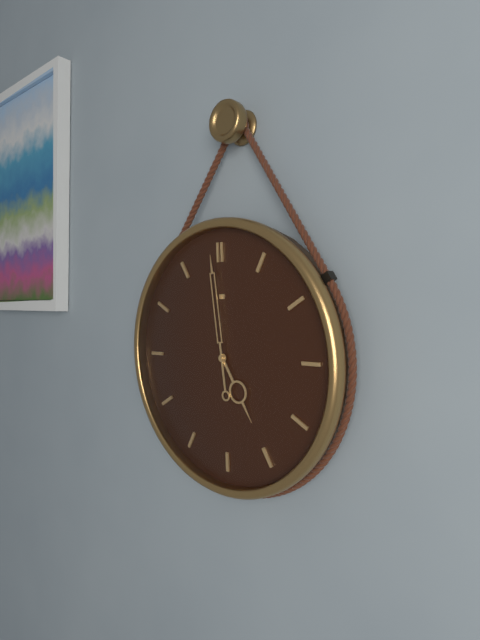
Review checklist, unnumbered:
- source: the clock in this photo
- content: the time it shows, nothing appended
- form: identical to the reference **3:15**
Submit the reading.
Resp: **4:59**
